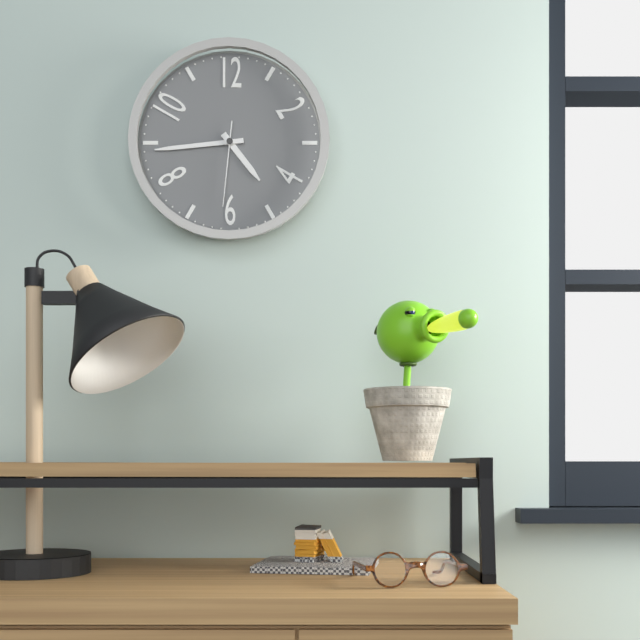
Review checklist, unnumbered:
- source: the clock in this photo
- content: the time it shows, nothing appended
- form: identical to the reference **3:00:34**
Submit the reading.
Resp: **4:44:31**
